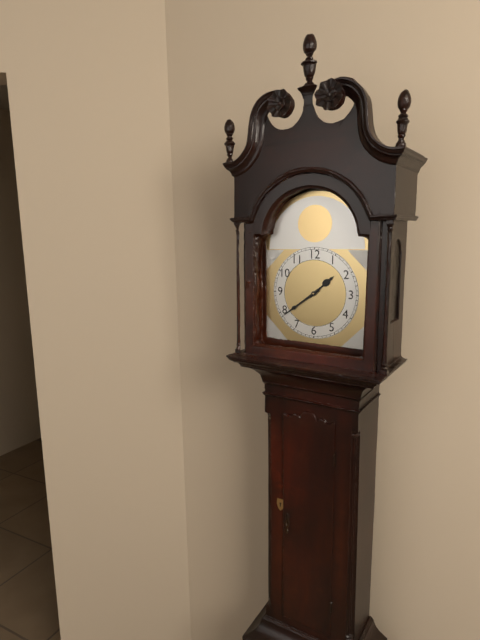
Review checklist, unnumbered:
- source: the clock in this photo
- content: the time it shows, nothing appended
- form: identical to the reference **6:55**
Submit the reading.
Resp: **1:39**
